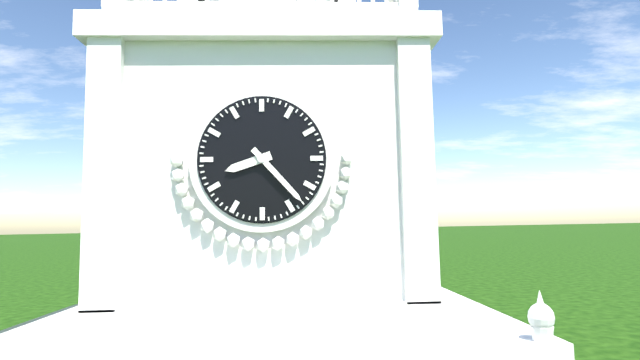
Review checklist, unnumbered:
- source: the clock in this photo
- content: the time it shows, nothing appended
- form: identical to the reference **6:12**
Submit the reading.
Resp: **8:23**
